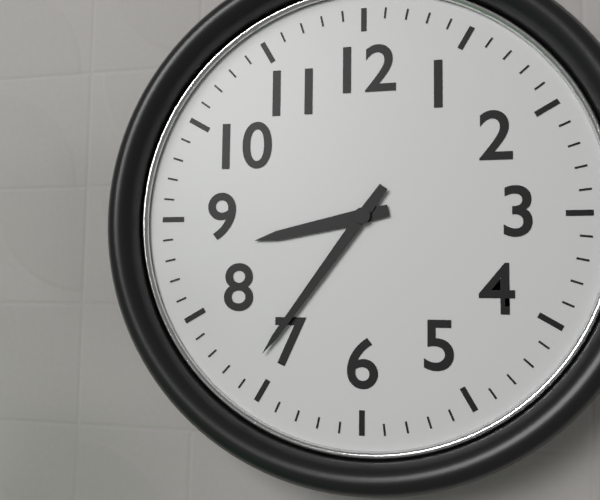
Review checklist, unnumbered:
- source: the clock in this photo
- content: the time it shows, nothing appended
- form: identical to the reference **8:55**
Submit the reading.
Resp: **8:36**
